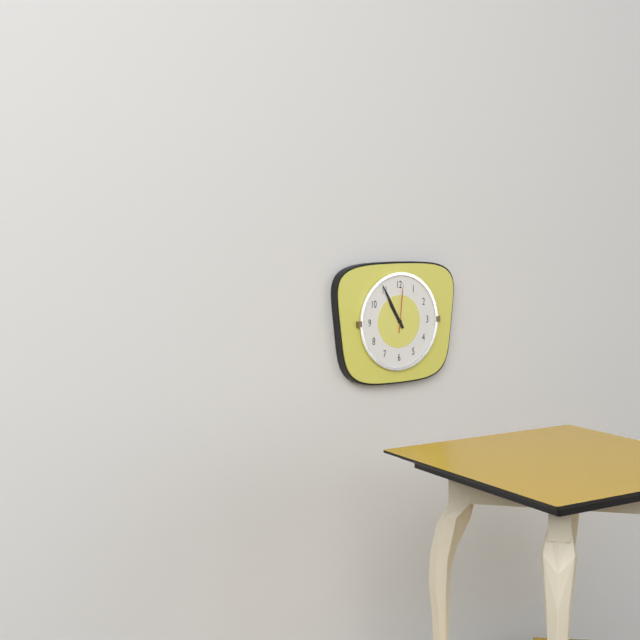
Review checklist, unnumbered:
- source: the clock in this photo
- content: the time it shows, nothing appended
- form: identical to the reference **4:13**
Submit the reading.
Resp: **10:55**
